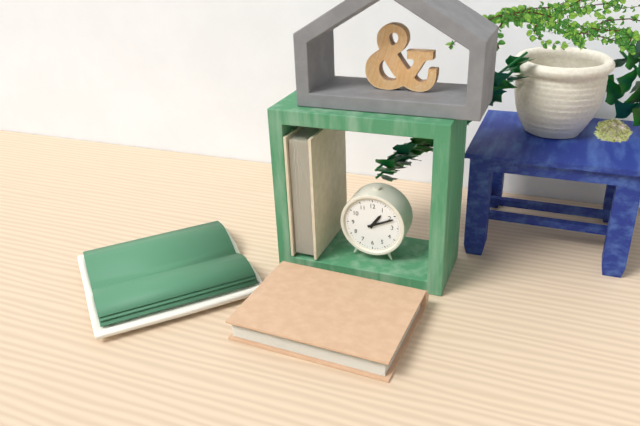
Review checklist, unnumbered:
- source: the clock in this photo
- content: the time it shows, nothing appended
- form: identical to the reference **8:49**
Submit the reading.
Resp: **1:11**
